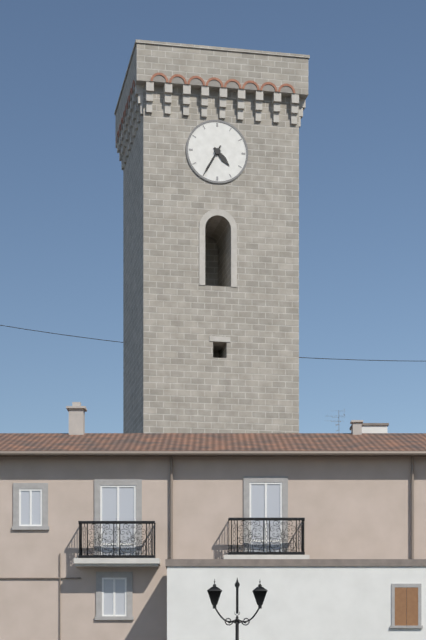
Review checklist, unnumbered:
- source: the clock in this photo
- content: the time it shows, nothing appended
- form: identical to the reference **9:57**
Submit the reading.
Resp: **4:35**
